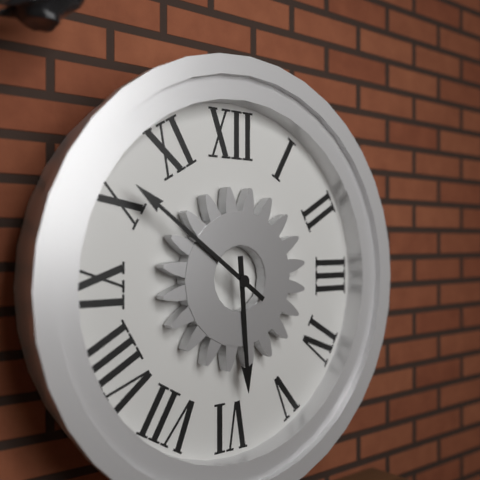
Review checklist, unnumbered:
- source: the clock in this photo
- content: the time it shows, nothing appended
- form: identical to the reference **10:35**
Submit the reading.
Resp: **5:51**
